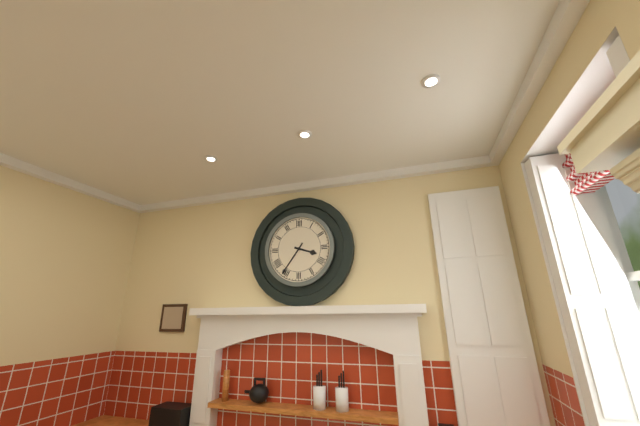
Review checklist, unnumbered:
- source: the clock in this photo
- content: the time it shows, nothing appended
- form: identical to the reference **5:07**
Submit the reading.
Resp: **3:36**
